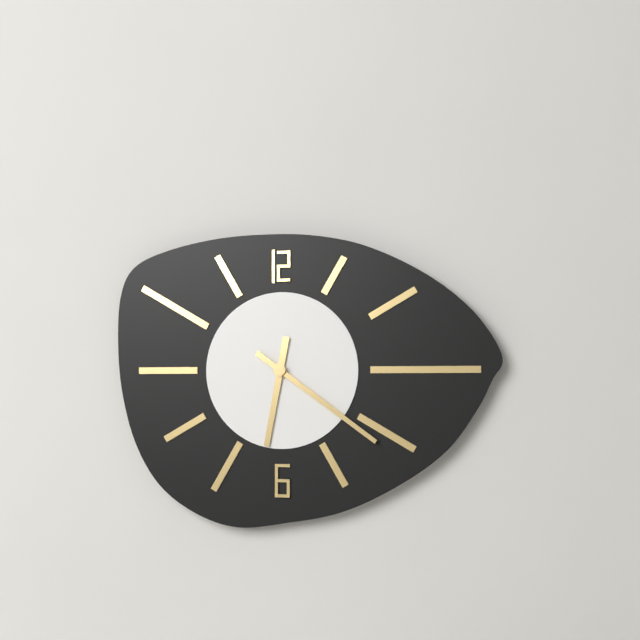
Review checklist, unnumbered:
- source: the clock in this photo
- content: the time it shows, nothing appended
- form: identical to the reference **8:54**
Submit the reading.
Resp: **6:21**
